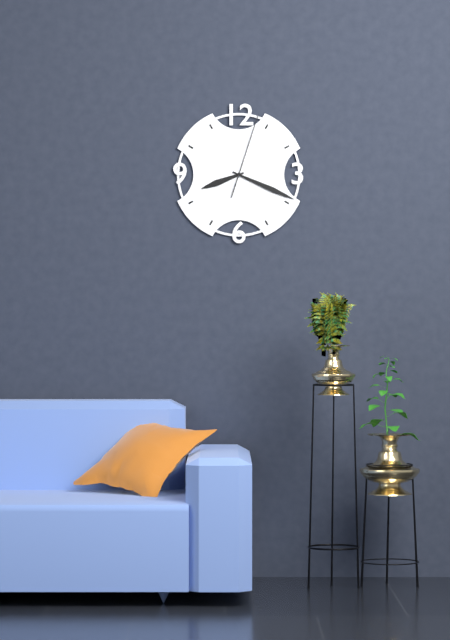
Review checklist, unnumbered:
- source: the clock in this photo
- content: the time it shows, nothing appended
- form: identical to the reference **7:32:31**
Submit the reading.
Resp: **8:19:03**
